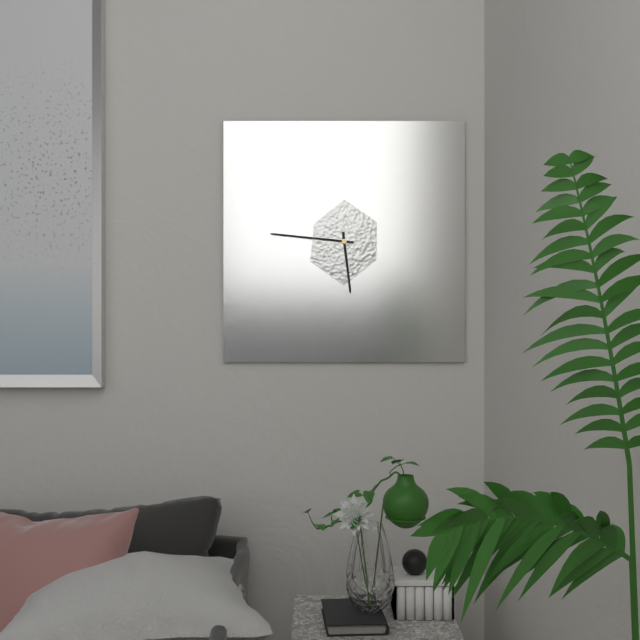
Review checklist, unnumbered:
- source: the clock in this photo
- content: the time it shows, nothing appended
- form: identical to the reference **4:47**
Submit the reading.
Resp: **5:46**
